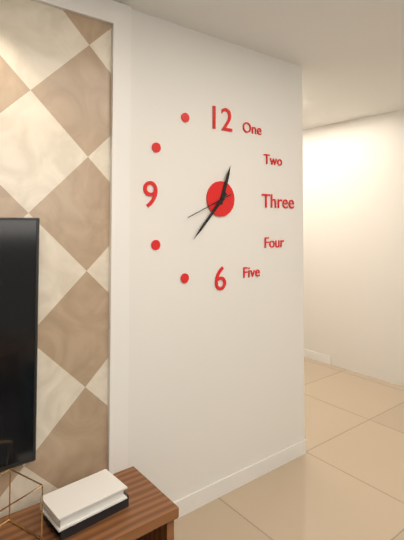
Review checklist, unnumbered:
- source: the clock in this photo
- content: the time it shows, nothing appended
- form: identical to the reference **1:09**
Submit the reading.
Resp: **12:37**
